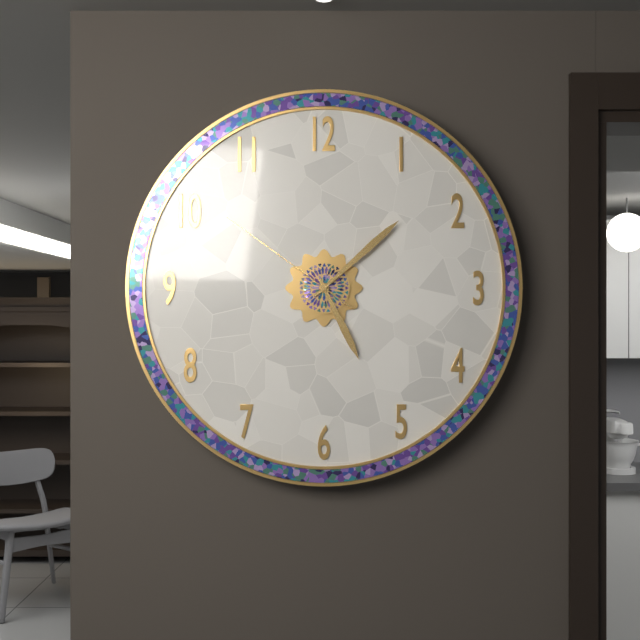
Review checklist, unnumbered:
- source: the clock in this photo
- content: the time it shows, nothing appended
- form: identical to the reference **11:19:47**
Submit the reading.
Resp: **5:08:51**
